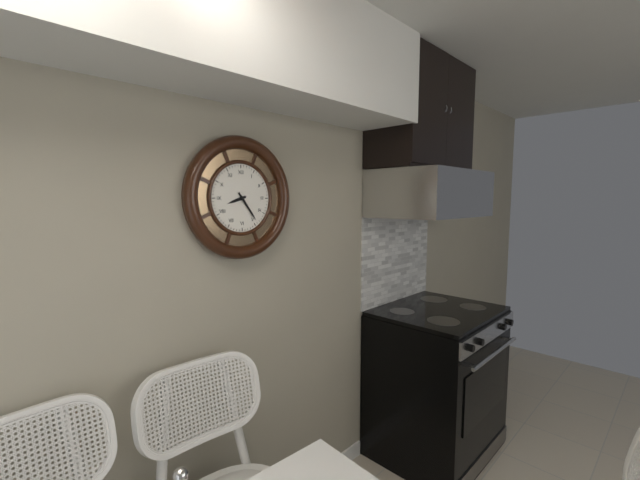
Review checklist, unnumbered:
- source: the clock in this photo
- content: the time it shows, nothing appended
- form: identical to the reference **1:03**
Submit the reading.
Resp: **8:24**
